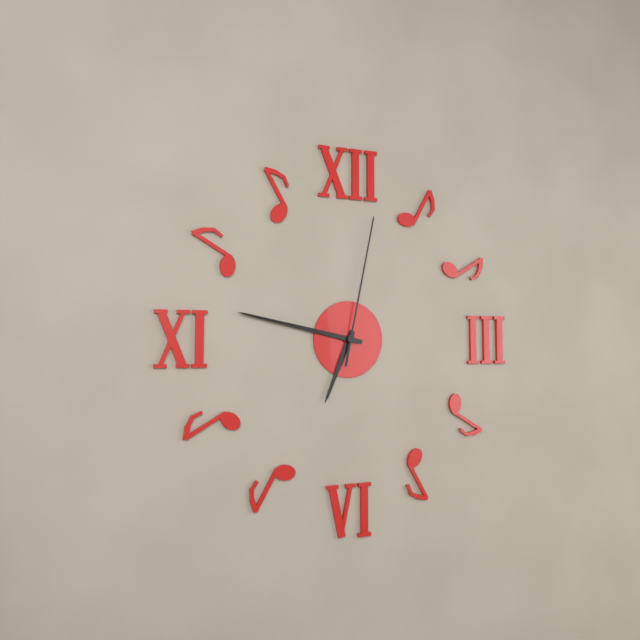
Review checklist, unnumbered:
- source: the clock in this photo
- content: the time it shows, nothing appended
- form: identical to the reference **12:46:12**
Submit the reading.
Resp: **6:47:02**
